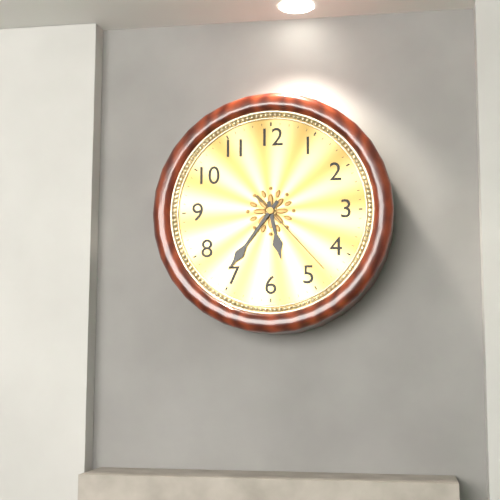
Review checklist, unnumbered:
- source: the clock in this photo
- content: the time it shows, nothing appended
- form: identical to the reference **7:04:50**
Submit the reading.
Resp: **5:36:23**
